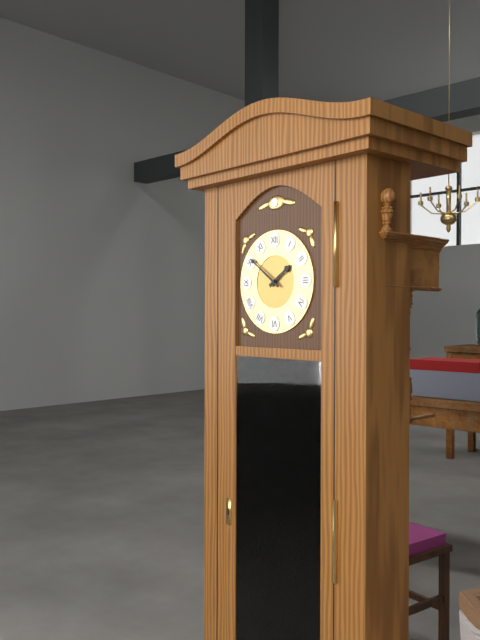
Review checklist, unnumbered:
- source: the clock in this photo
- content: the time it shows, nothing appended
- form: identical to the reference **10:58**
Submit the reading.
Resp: **1:51**
